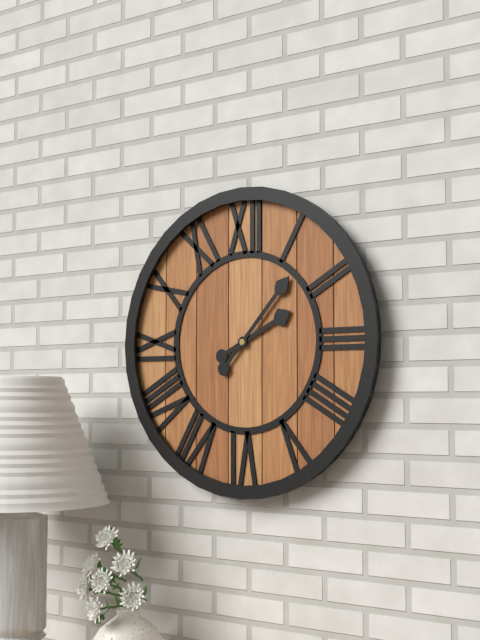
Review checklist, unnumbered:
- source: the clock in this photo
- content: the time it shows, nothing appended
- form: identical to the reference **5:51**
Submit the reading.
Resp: **2:07**
